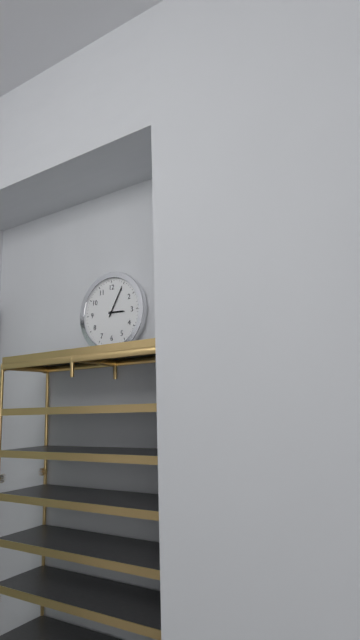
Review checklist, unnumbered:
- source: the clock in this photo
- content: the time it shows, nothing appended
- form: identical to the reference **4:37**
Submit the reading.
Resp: **3:05**
